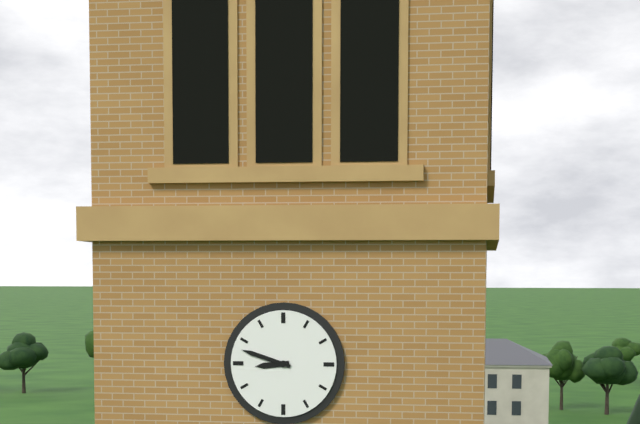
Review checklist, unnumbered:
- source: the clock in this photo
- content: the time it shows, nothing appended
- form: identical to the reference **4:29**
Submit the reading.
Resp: **8:48**
